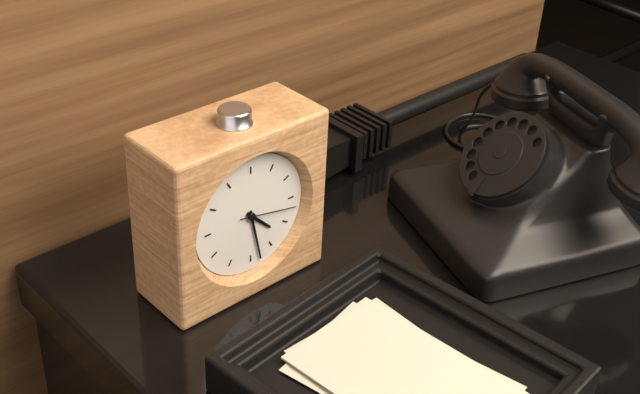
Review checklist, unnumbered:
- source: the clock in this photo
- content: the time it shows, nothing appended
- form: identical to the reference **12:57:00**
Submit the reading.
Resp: **4:28:17**
